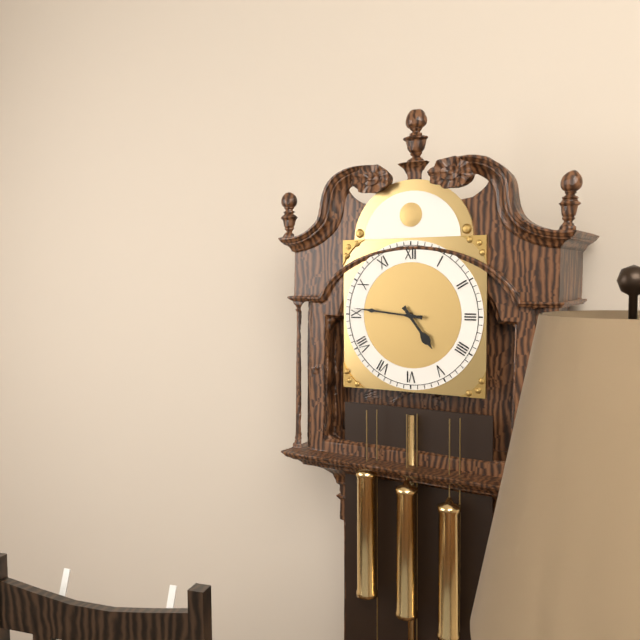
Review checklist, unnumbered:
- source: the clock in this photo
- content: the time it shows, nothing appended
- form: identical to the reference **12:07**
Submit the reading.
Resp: **4:46**
